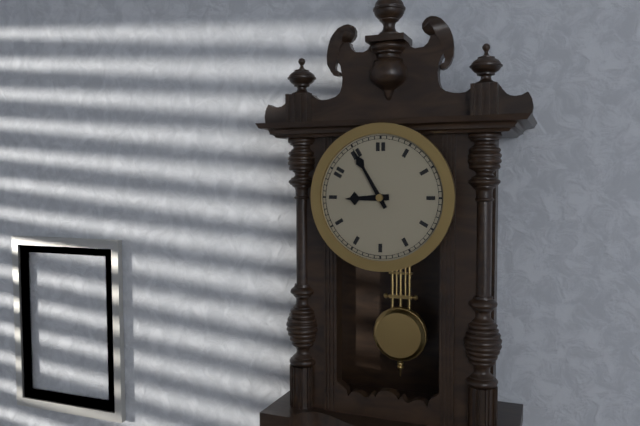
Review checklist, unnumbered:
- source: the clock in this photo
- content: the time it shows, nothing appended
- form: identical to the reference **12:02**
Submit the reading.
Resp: **8:55**
